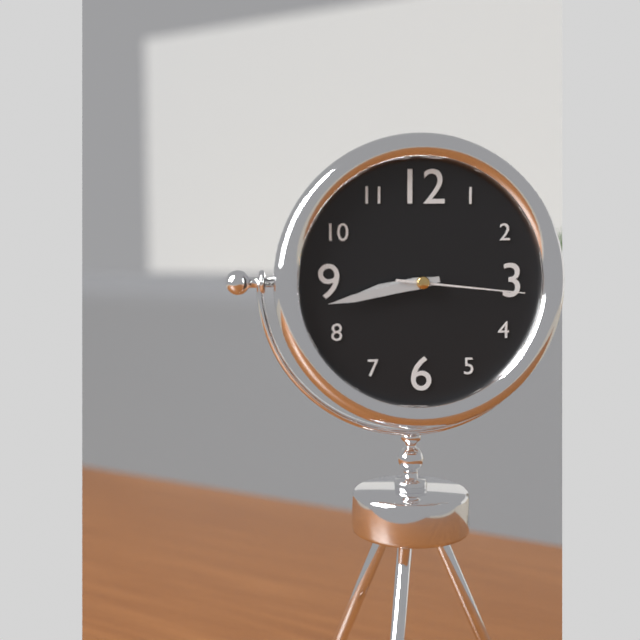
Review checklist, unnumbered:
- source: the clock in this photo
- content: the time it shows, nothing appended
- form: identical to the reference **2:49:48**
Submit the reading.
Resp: **8:43:16**
